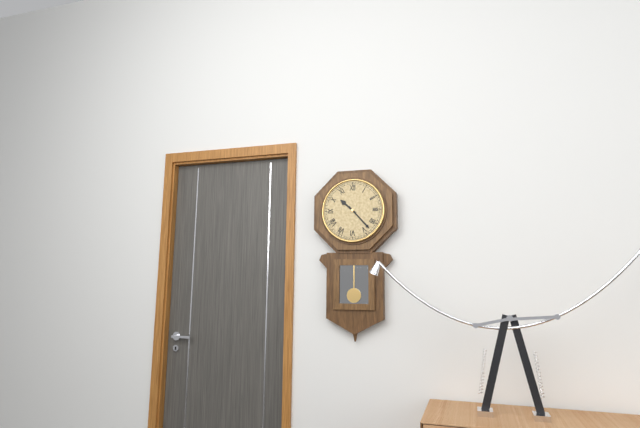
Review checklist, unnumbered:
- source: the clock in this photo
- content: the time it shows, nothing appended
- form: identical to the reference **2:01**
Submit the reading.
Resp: **10:23**
